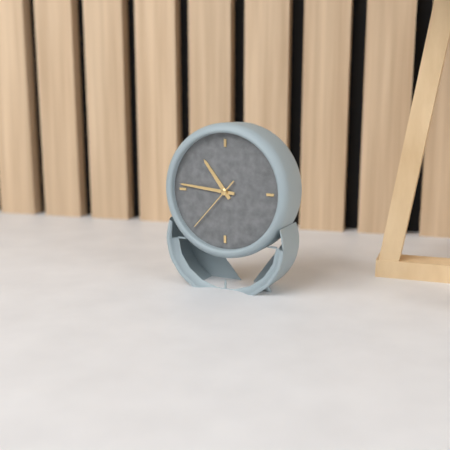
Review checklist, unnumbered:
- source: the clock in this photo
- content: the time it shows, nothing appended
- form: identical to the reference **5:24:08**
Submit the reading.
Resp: **10:46:37**
